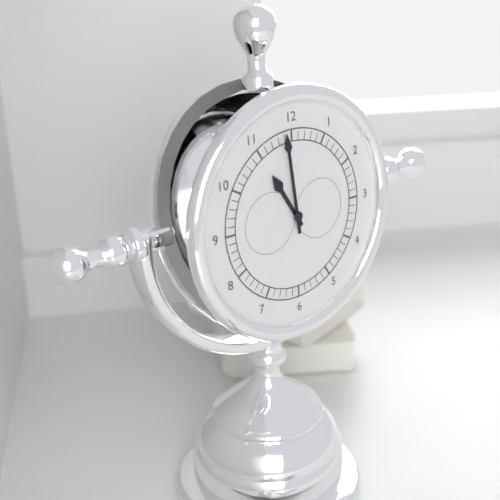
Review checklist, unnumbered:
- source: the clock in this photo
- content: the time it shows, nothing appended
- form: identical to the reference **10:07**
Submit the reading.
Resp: **10:59**
